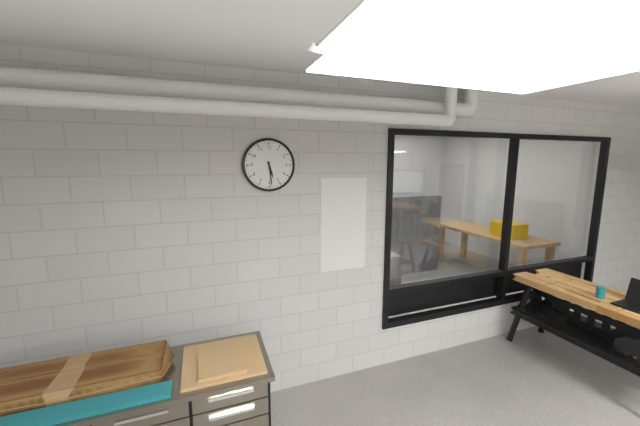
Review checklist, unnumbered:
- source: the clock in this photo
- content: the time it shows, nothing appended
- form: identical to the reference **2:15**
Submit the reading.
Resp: **5:29**
